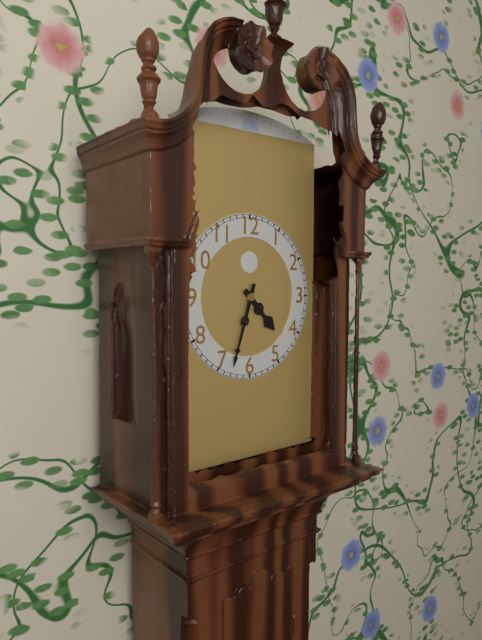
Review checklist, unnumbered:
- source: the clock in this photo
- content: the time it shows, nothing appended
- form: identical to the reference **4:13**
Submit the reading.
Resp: **4:33**
